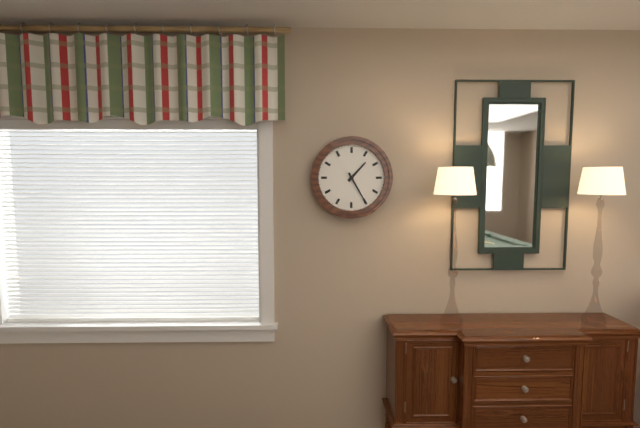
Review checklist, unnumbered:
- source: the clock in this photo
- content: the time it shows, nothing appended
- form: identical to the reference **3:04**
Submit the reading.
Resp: **1:25**
